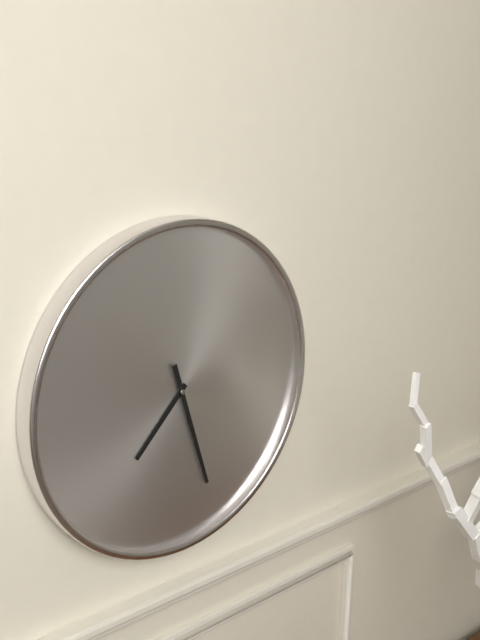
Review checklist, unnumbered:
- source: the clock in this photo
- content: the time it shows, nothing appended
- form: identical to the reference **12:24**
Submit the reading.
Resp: **7:27**
